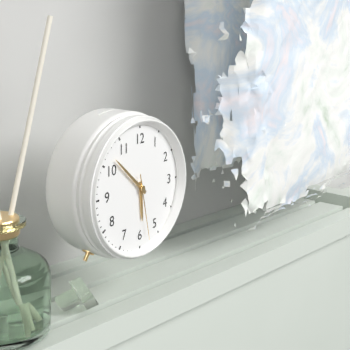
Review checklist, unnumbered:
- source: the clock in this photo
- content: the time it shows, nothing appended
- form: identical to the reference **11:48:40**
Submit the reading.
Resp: **5:52:28**
